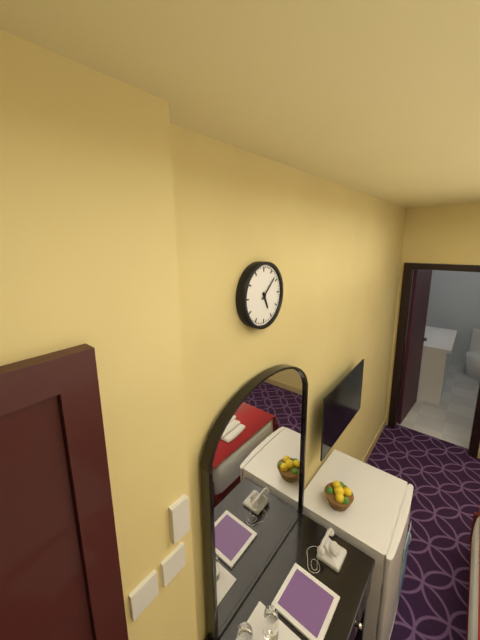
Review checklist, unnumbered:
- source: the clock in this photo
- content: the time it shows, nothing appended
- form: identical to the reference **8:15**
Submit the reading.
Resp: **5:08**
